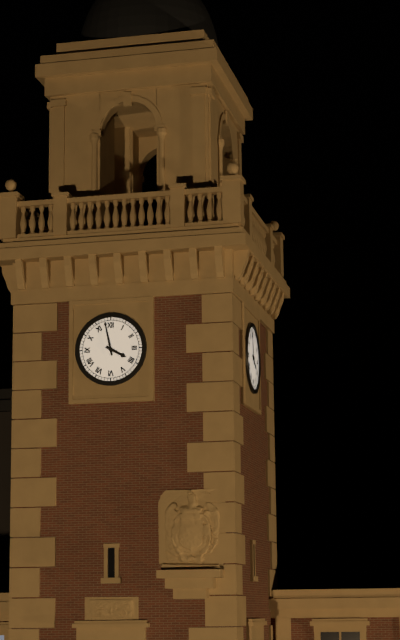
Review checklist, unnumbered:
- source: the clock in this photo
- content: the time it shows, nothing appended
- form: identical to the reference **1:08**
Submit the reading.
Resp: **3:58**
